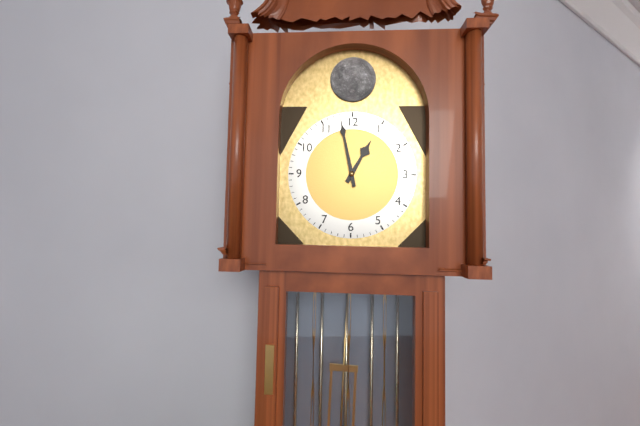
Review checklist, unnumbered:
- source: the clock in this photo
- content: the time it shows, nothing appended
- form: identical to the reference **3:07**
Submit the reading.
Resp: **12:58**
